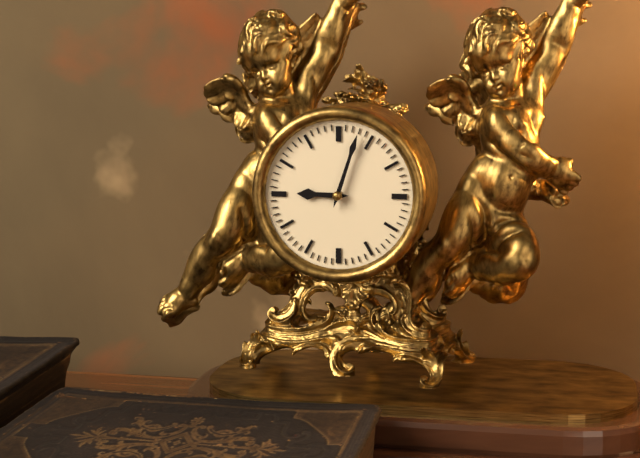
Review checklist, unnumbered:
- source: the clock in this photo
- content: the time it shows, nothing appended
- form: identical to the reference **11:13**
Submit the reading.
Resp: **9:03**
